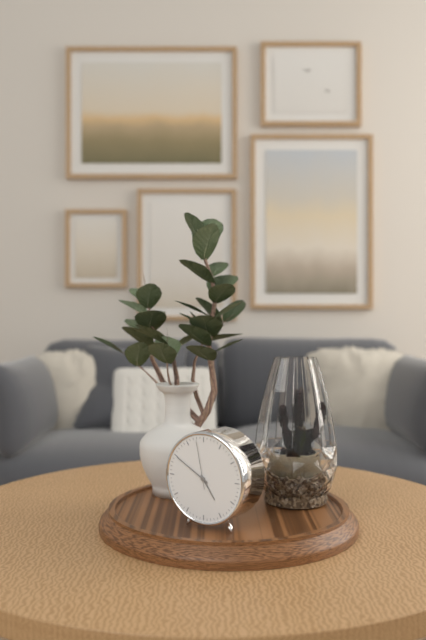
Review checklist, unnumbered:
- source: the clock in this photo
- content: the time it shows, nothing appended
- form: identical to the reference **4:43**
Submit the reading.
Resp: **4:50**
